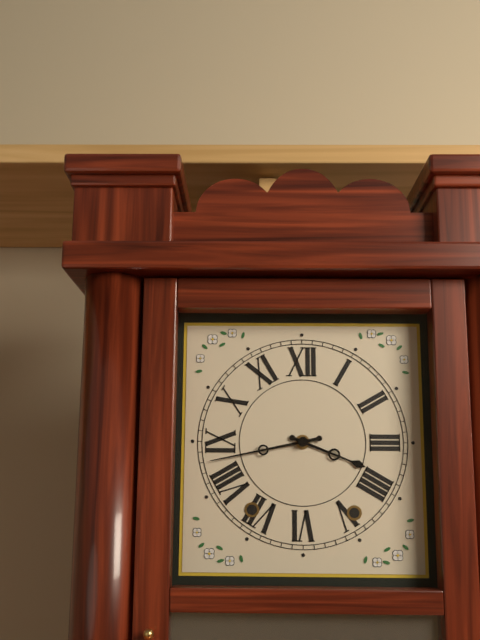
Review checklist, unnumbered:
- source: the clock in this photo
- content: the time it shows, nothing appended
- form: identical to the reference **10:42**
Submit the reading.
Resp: **3:43**
